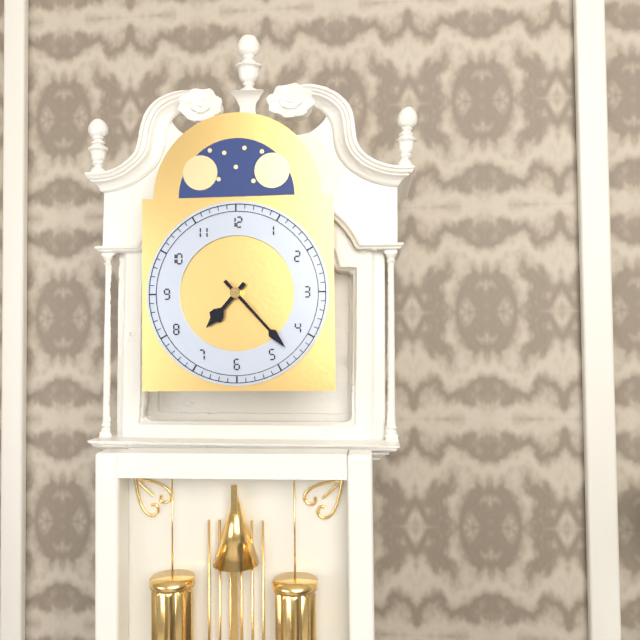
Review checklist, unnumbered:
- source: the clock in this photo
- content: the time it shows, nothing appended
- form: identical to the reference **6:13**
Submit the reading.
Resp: **7:23**
